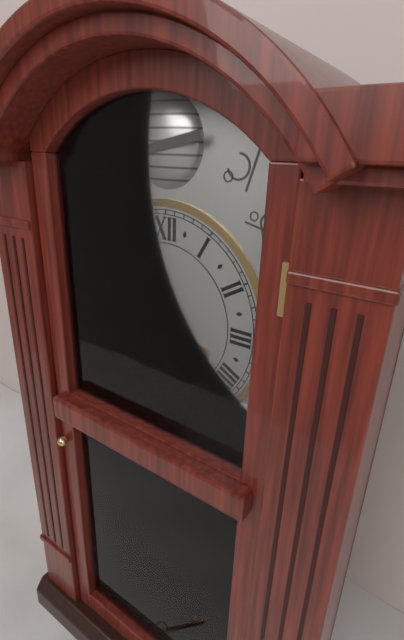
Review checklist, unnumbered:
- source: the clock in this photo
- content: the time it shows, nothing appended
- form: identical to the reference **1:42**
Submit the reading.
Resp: **9:37**
